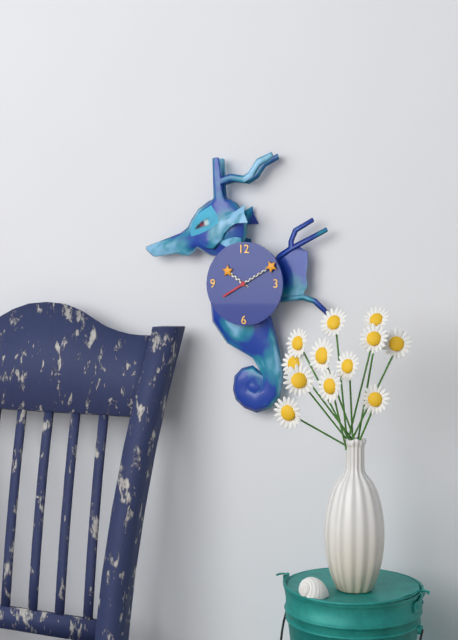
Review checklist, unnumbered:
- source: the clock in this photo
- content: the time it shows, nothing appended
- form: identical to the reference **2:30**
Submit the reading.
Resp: **10:10**
